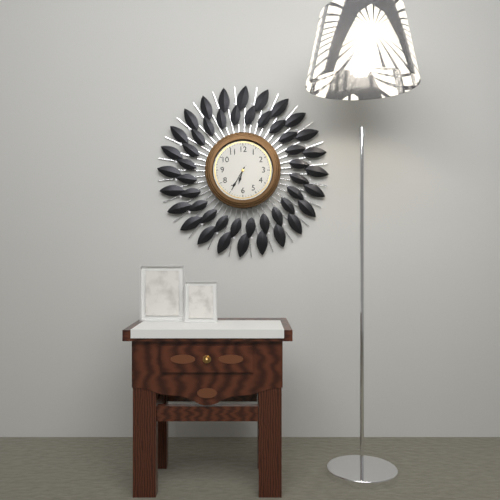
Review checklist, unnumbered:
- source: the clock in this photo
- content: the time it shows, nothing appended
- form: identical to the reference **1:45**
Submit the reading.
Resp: **6:35**
